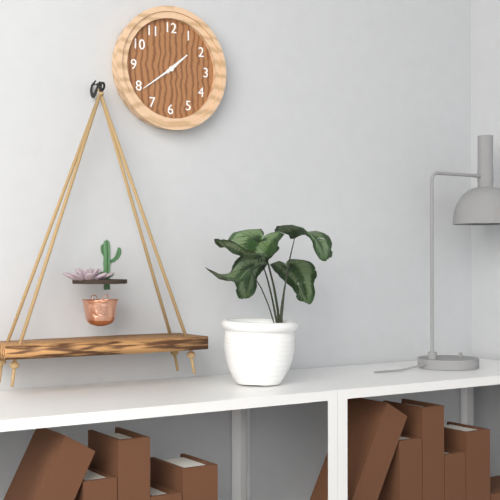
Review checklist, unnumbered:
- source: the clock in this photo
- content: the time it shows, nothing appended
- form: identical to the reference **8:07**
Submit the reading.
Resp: **1:39**
